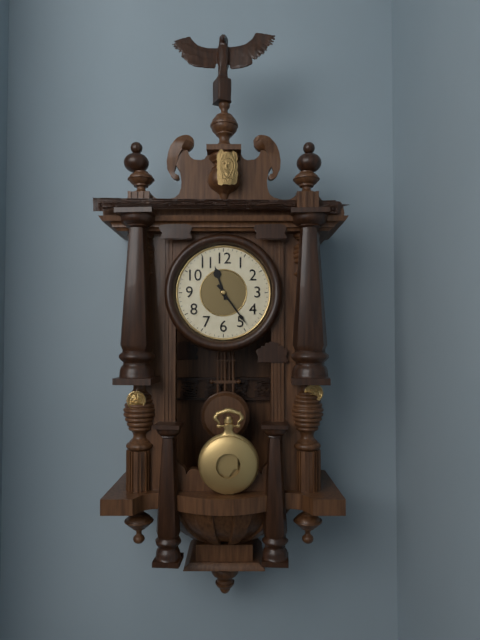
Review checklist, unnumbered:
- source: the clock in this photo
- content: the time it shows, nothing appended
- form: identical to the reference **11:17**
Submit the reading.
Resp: **11:24**
